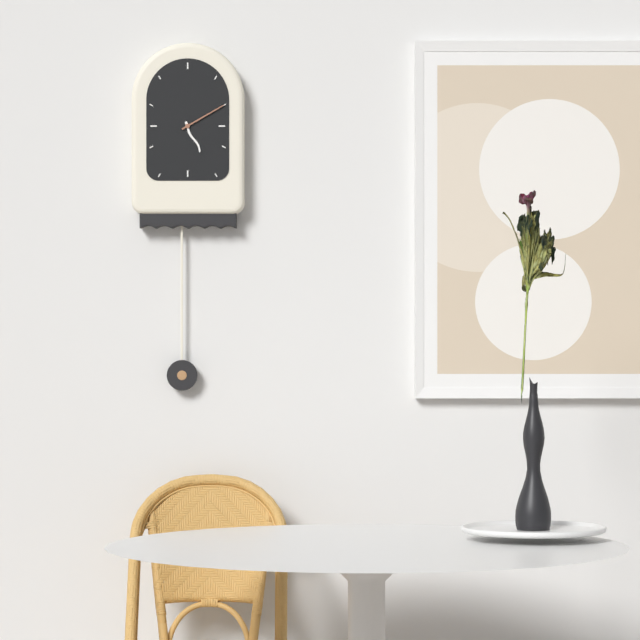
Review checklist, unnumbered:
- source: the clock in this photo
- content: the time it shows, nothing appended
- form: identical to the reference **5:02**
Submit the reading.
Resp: **5:10**
